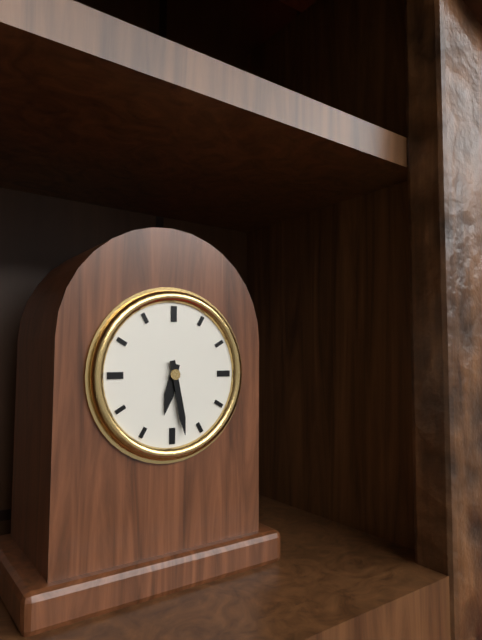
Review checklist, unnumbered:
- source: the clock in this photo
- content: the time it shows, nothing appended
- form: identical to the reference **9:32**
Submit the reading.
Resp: **6:28**
